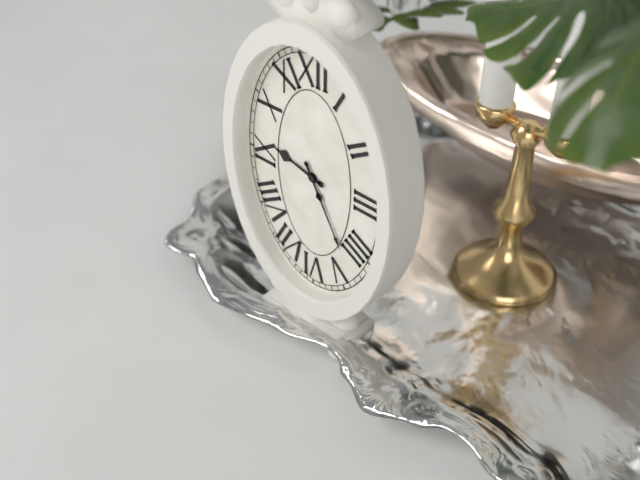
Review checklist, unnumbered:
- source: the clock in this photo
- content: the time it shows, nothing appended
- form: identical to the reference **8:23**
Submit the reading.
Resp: **9:25**
